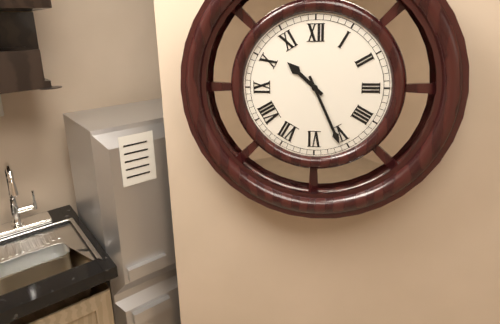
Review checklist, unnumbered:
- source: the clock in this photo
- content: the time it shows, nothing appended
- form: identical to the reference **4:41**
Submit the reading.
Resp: **10:26**
